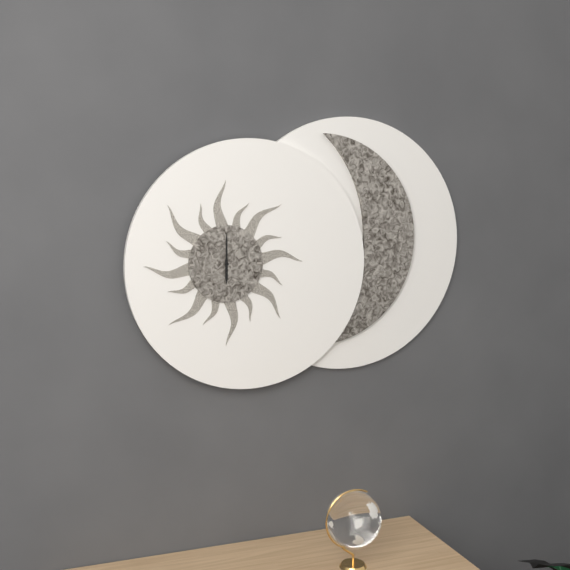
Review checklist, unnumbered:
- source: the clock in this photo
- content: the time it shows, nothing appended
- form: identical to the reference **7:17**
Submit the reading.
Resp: **6:00**
